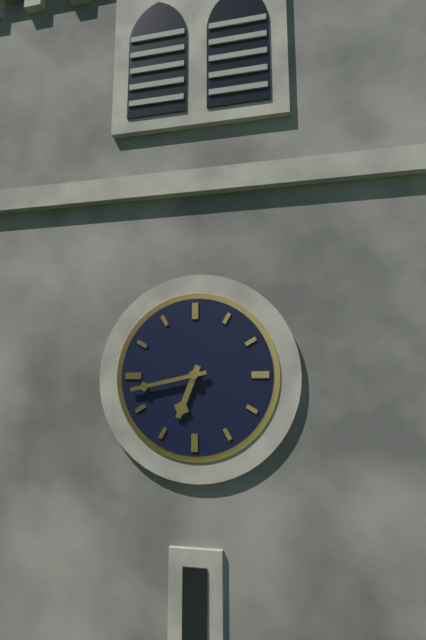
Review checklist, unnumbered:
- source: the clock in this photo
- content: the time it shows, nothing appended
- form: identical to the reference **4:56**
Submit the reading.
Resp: **6:43**
